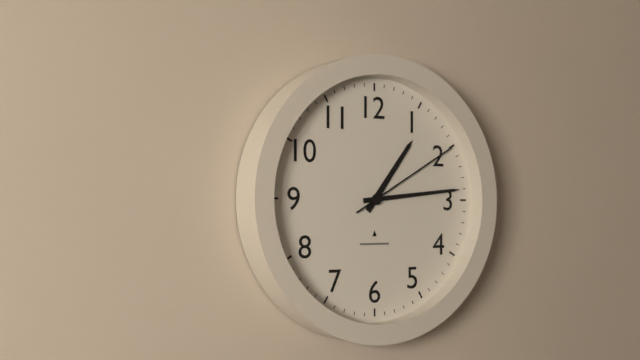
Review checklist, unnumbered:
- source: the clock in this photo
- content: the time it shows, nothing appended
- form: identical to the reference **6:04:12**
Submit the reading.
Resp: **1:14:10**
